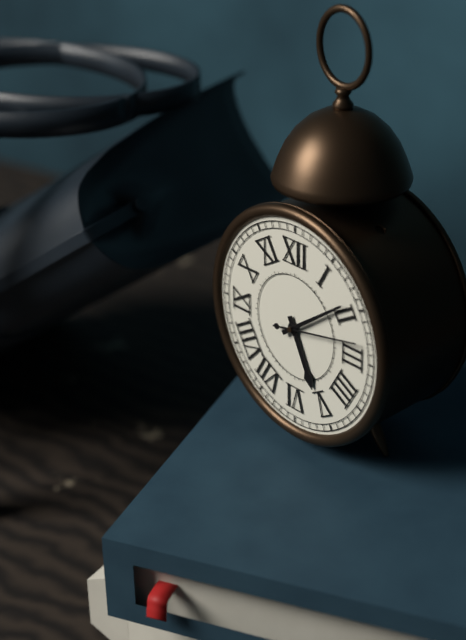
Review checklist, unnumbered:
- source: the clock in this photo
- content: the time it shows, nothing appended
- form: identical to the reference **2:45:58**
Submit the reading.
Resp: **5:09:13**
